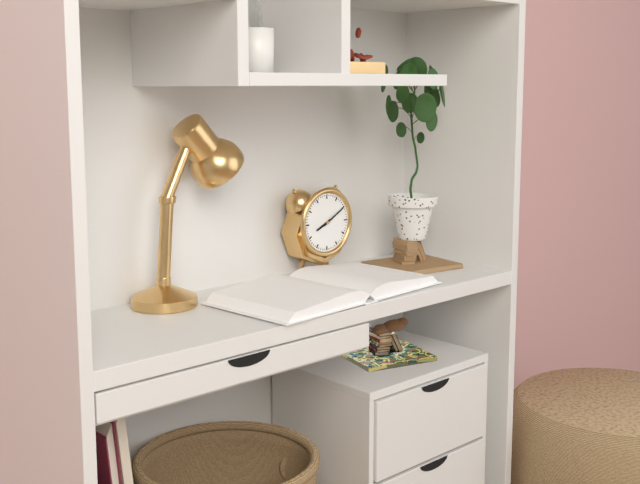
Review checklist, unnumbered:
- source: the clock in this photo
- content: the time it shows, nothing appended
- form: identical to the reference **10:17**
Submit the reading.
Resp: **8:10**
